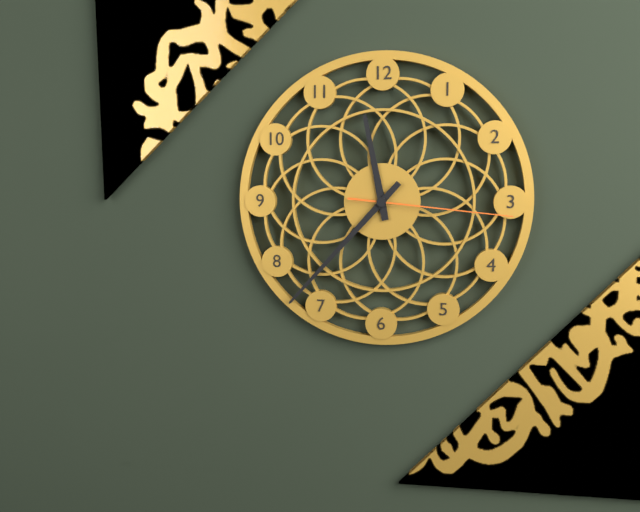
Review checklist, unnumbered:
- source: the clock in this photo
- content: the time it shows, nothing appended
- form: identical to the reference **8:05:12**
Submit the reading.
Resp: **11:37:16**
